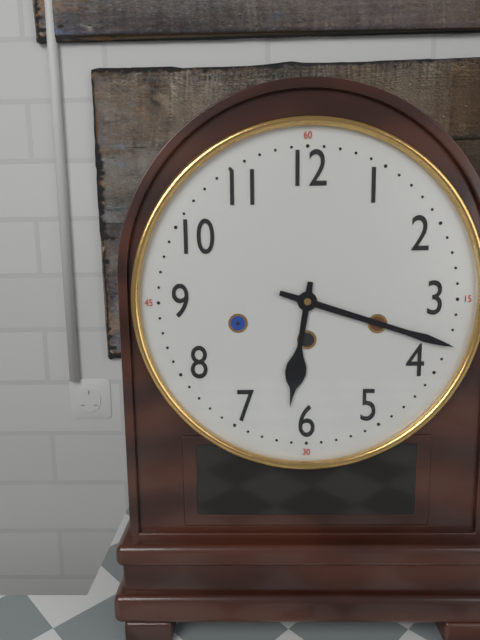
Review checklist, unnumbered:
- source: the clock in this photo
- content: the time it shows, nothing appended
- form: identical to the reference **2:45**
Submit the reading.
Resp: **6:18**
